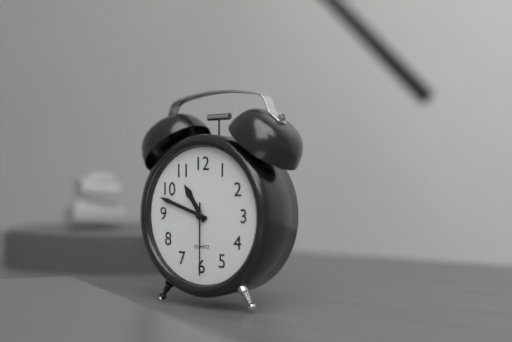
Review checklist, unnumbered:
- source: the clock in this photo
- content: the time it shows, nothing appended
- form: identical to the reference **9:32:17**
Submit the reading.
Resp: **10:48:30**
